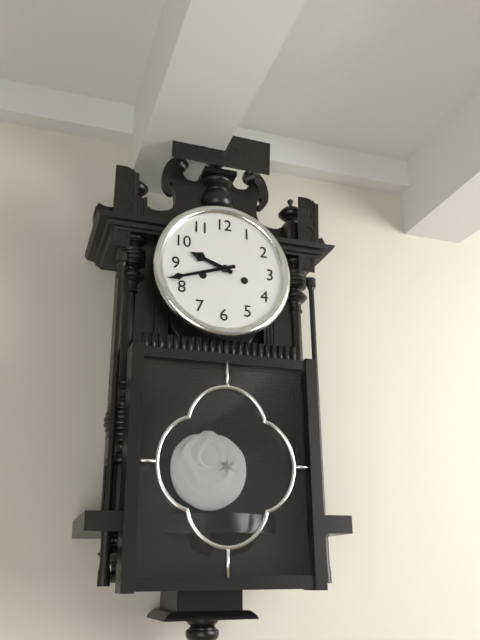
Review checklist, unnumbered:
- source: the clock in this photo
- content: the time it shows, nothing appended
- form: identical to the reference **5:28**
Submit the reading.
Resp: **9:42**
